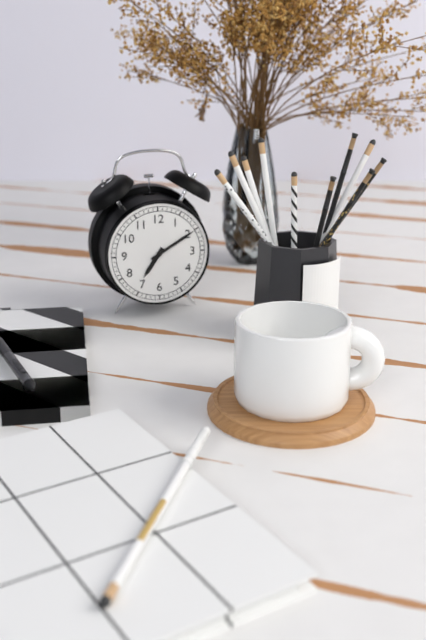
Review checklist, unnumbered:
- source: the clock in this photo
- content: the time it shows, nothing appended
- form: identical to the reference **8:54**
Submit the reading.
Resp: **7:10**
